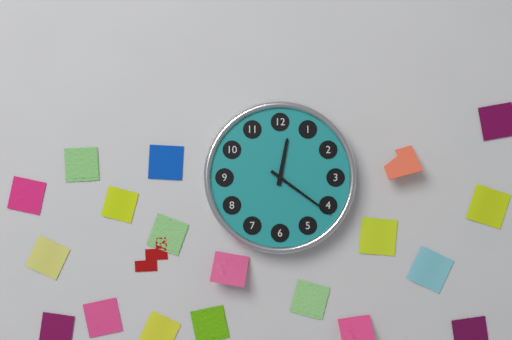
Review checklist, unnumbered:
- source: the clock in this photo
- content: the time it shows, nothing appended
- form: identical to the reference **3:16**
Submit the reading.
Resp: **12:21**
